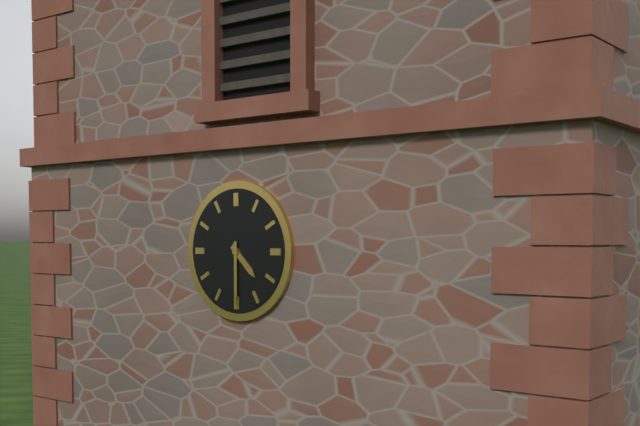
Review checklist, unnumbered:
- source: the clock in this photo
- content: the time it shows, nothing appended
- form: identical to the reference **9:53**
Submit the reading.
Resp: **4:30**
